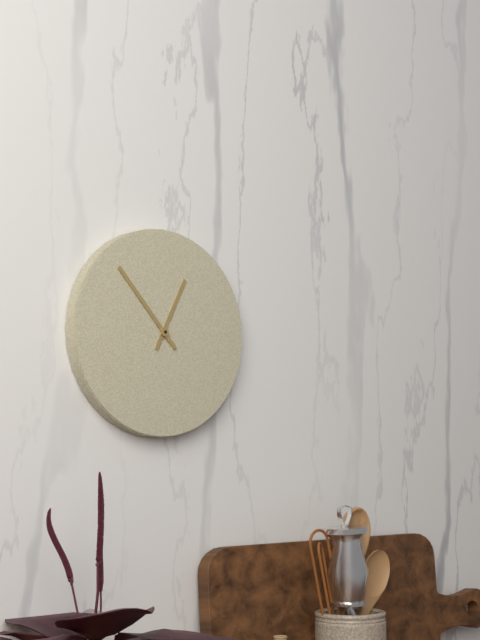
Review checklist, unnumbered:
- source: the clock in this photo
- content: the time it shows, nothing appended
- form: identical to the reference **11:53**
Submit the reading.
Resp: **12:53**
